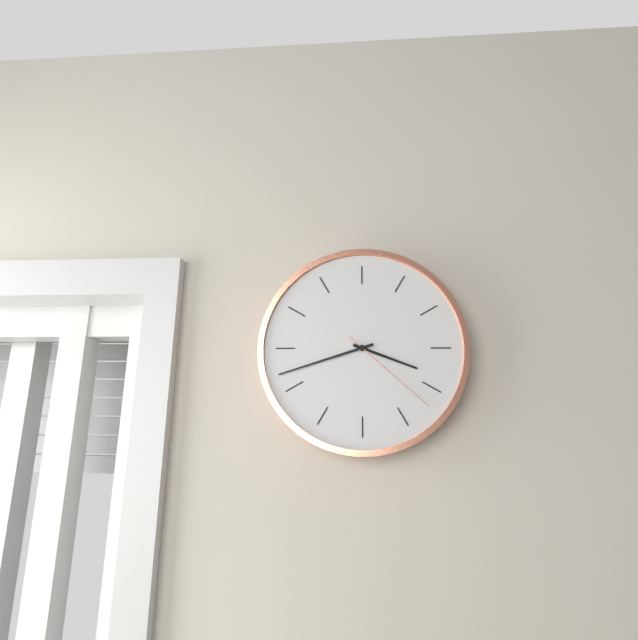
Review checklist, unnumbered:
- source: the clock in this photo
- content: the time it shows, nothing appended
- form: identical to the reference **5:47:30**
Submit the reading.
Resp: **3:42:22**
